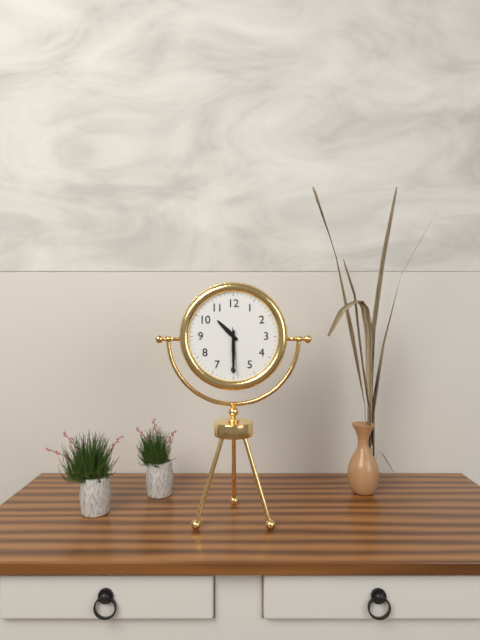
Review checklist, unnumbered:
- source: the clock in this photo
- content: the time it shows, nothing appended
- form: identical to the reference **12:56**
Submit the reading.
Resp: **10:30**
